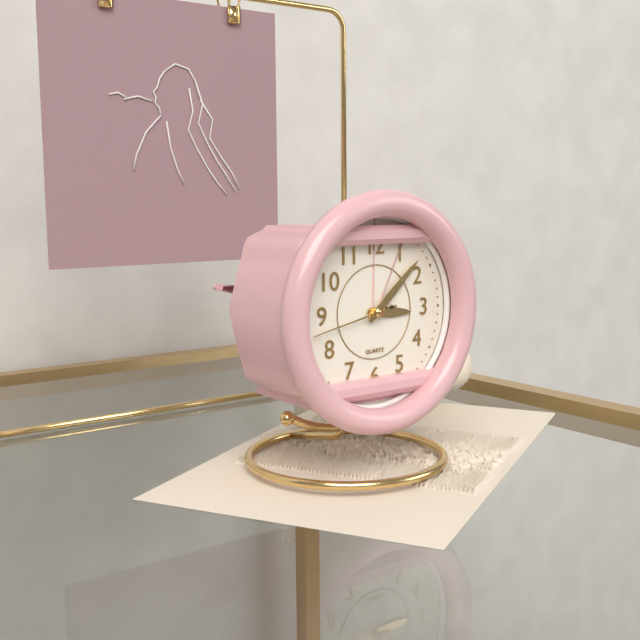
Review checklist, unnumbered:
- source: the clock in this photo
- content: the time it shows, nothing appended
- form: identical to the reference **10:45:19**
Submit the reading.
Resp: **3:08:43**
